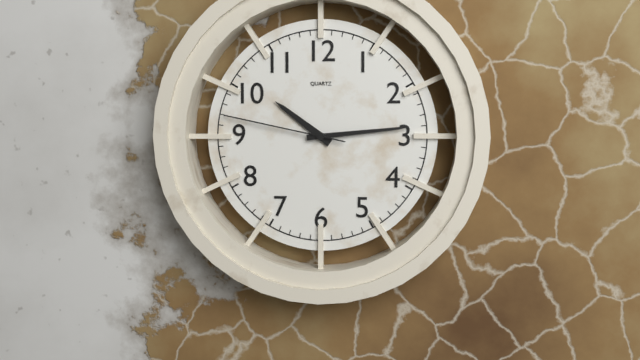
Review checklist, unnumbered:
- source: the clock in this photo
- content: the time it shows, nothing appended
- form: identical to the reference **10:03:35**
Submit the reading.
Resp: **10:14:47**
